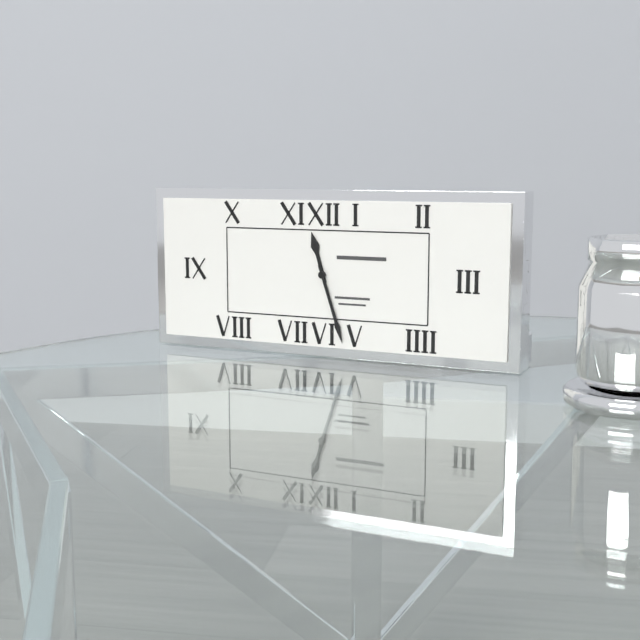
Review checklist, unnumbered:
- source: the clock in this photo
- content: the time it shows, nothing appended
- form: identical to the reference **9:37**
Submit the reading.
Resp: **11:27**
